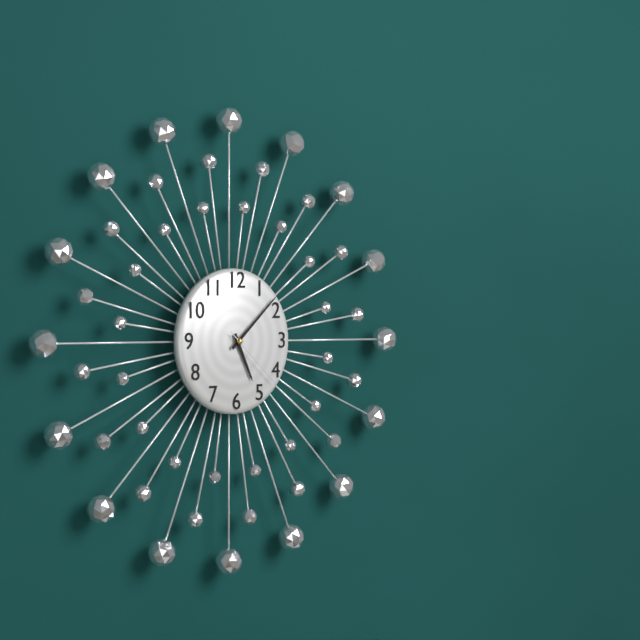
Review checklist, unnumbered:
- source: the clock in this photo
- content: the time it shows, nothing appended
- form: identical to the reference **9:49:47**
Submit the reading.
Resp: **5:08:22**
